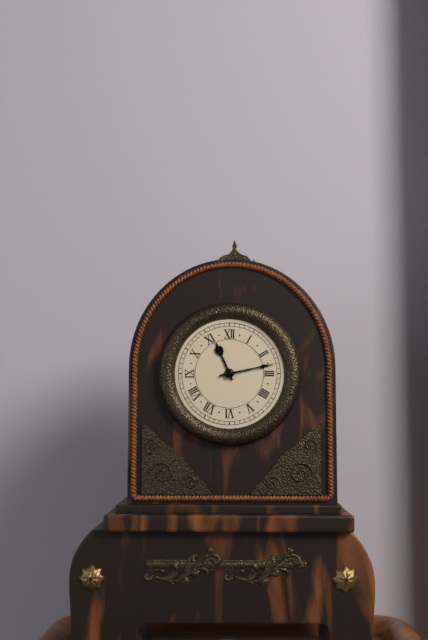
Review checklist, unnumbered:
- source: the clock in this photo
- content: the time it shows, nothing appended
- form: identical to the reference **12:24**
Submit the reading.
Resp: **11:13**
